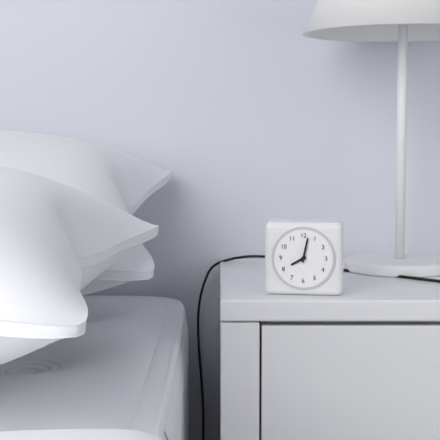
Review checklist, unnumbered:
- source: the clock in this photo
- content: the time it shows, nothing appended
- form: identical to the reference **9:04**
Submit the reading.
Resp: **8:02**
